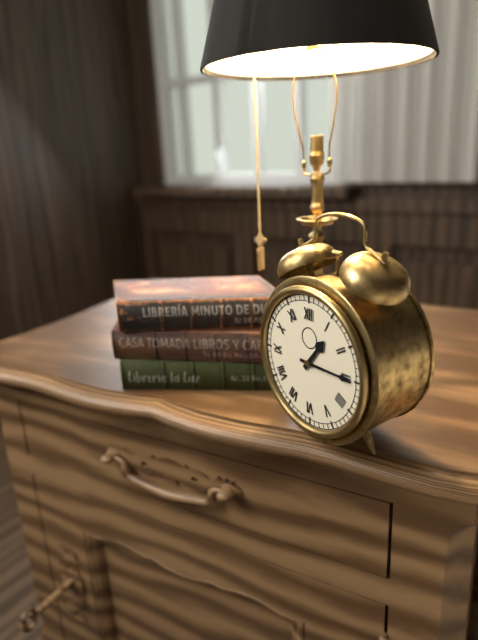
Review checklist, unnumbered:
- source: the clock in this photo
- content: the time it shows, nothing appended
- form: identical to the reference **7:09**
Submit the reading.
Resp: **1:15**
